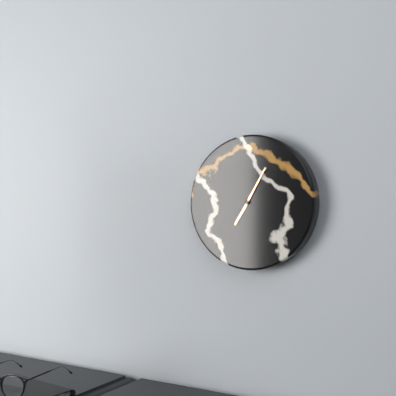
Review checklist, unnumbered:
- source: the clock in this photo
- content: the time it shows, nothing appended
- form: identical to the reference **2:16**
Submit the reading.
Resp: **7:05**
